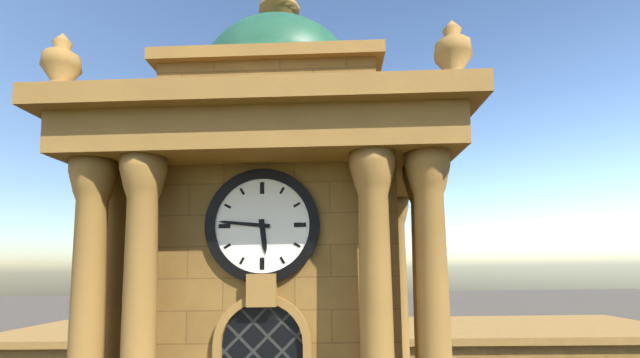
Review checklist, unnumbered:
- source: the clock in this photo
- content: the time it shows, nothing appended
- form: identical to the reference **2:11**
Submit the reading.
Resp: **5:46**
